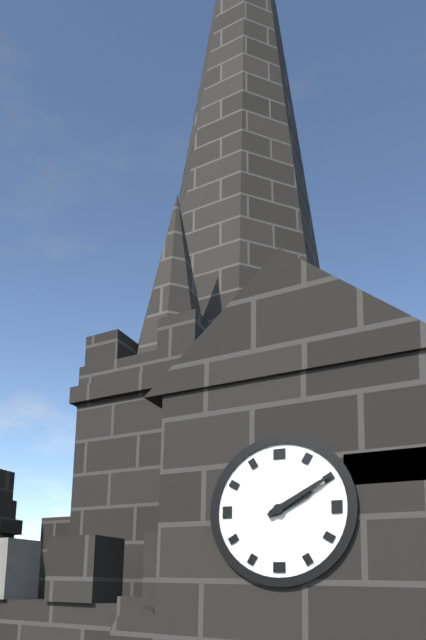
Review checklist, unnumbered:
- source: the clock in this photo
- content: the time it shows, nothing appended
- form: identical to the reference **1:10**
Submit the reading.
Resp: **2:10**
